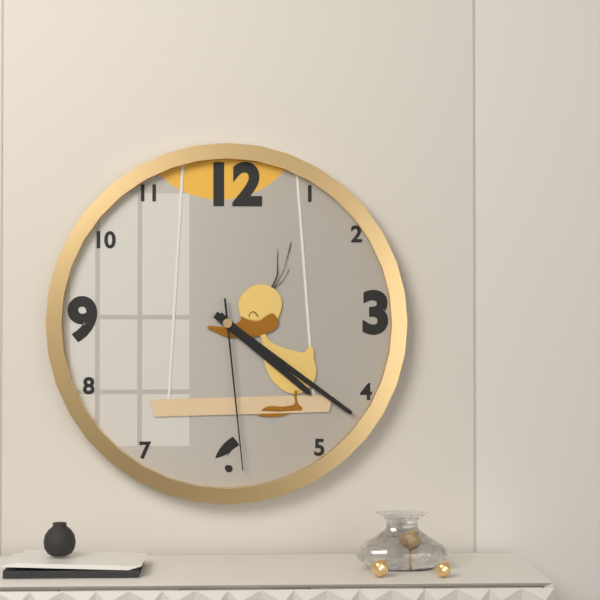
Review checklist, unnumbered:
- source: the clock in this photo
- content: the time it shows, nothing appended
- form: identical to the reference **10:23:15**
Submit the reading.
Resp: **4:21:29**
